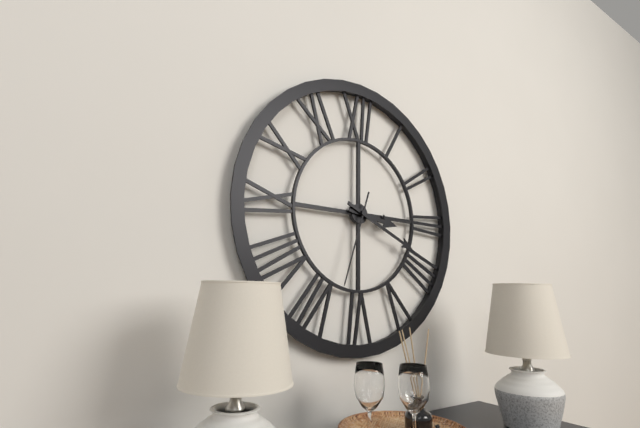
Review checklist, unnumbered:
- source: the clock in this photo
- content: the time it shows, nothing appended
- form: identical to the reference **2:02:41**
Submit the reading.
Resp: **3:19:33**
